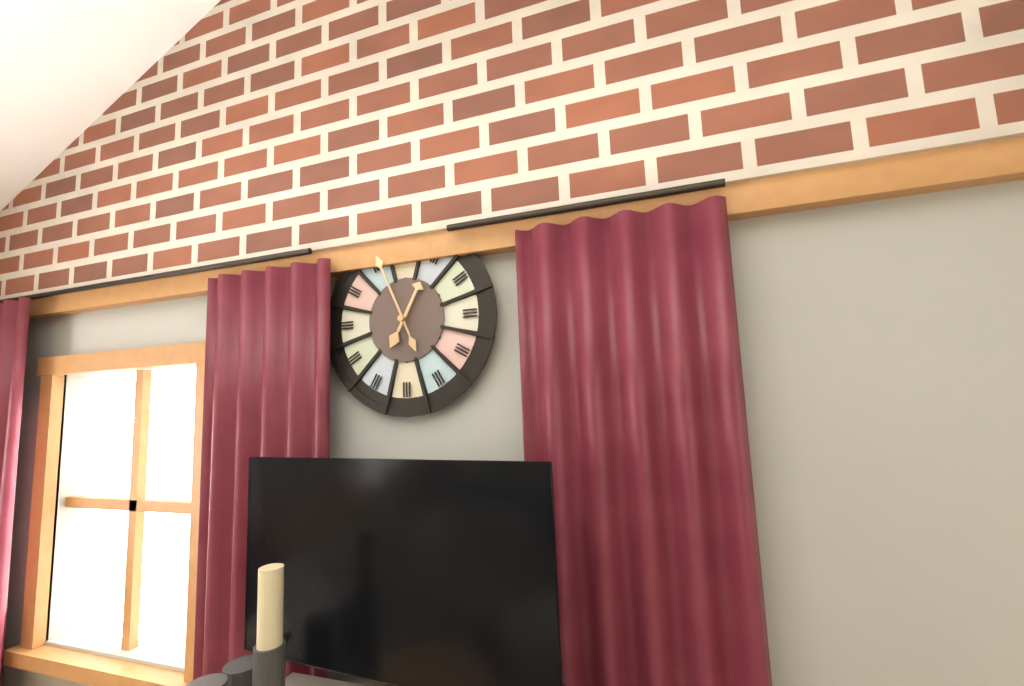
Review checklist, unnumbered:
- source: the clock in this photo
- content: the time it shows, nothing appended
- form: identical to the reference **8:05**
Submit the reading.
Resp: **12:56**
